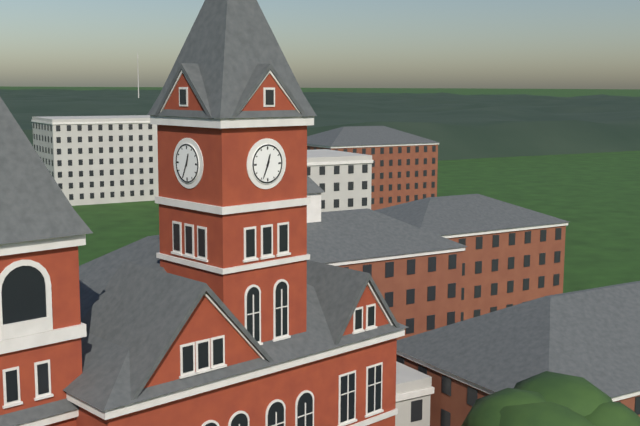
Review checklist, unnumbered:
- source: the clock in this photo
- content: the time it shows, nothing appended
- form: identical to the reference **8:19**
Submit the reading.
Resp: **12:34**
